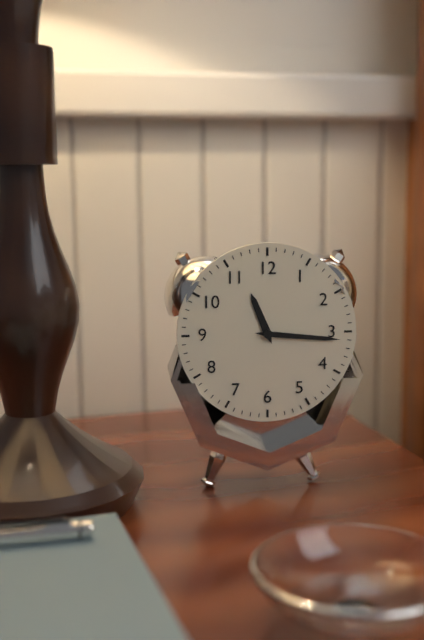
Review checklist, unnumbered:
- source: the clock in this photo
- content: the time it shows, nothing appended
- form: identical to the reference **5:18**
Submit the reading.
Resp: **11:16**
